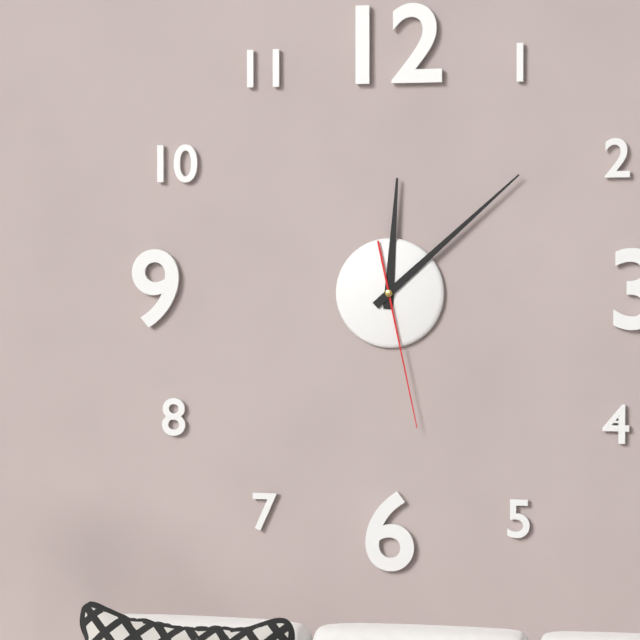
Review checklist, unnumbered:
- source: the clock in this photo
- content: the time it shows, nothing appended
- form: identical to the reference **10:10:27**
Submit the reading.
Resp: **12:08:28**
